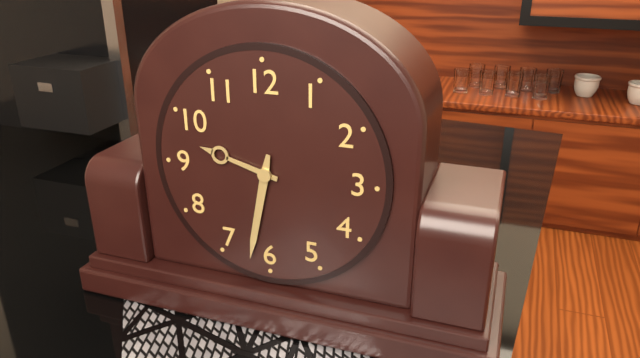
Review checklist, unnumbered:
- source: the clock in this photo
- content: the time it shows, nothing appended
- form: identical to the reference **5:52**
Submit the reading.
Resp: **9:32**
